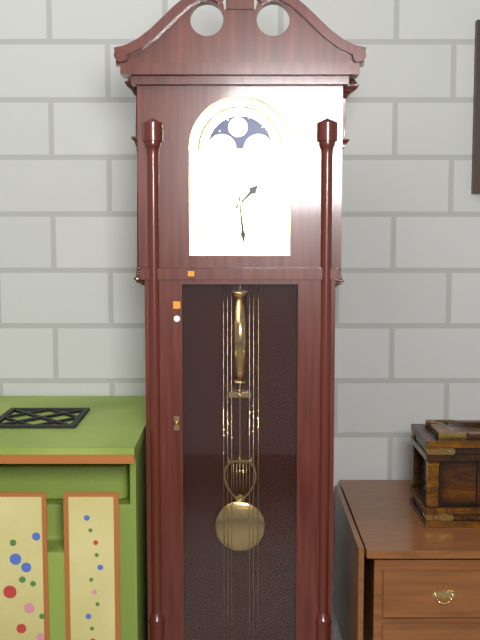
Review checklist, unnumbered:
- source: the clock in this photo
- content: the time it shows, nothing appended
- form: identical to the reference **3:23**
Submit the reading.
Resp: **1:29**
